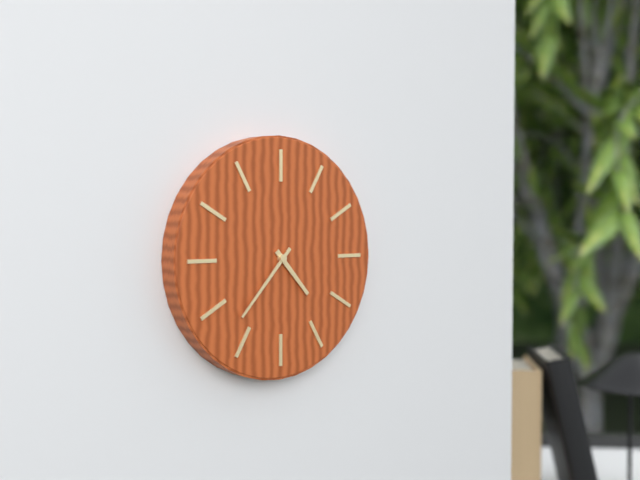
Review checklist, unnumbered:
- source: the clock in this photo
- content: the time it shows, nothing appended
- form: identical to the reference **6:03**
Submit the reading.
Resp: **4:37**
